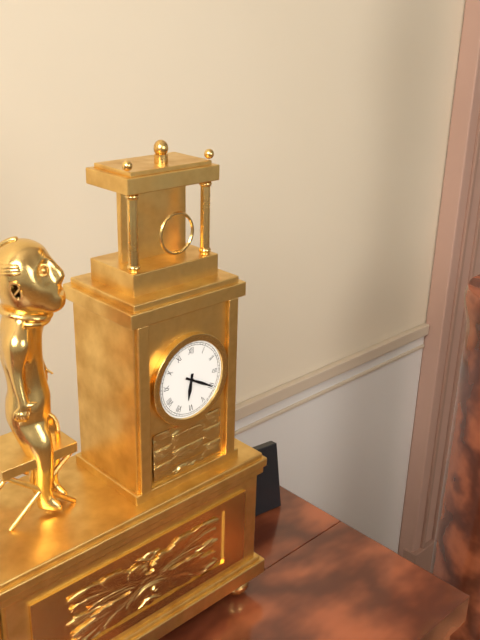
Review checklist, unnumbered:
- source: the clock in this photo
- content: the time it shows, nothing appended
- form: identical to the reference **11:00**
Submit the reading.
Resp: **6:20**
